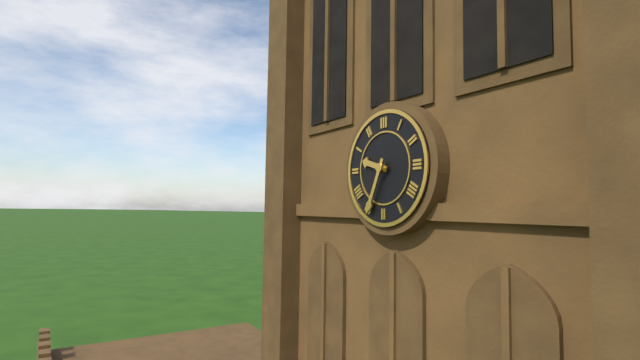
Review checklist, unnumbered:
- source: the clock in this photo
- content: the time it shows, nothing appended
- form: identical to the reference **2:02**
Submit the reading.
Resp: **9:34**
